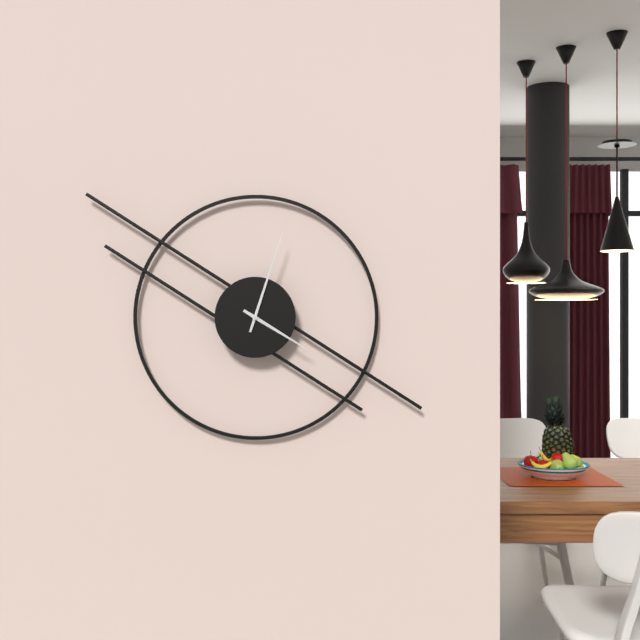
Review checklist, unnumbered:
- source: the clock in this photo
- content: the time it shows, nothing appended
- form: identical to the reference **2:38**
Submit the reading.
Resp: **4:03**
